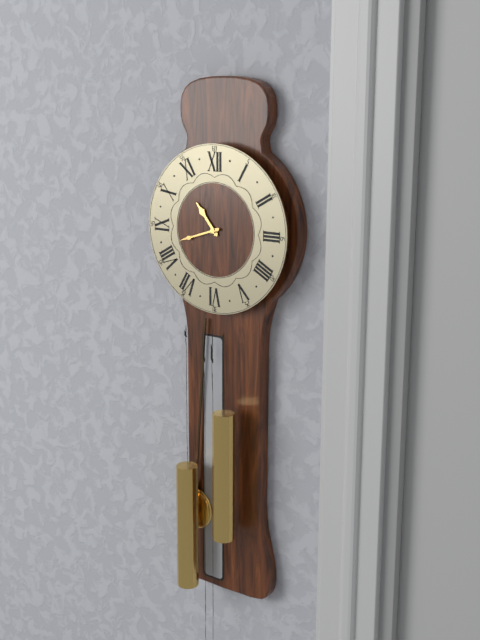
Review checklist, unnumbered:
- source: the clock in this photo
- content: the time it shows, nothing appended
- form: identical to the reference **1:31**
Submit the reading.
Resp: **10:42**
